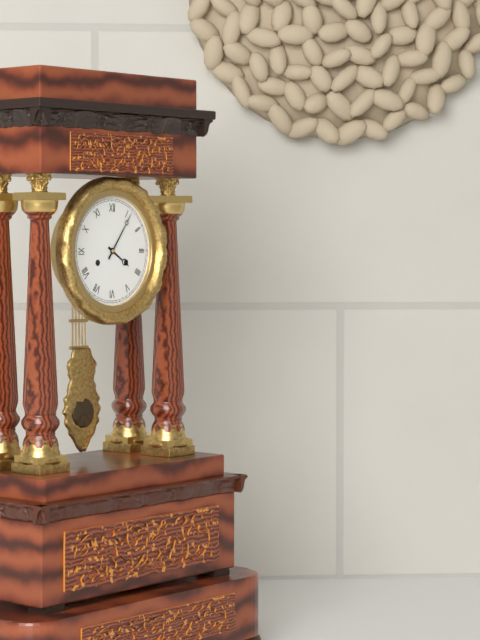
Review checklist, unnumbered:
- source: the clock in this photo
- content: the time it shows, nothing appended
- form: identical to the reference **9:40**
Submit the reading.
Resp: **4:06**
